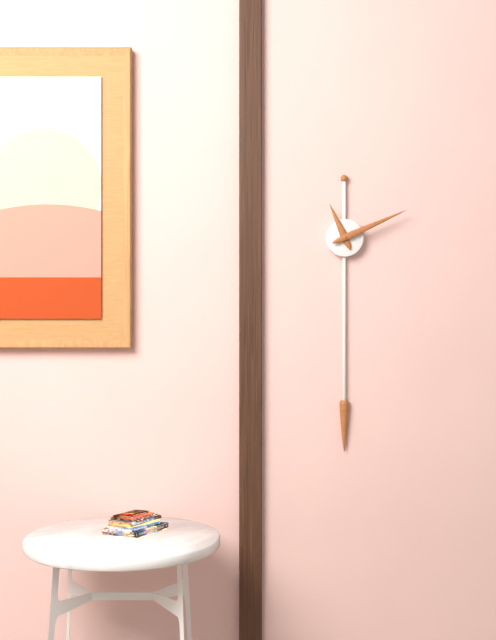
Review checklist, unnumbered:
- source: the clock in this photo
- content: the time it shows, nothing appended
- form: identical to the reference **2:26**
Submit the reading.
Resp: **11:11**
